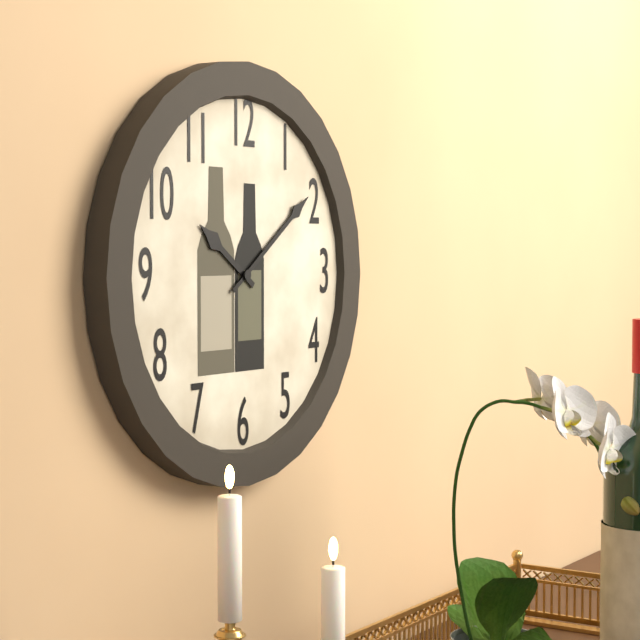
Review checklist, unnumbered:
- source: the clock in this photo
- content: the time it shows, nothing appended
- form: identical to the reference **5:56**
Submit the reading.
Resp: **10:09**
